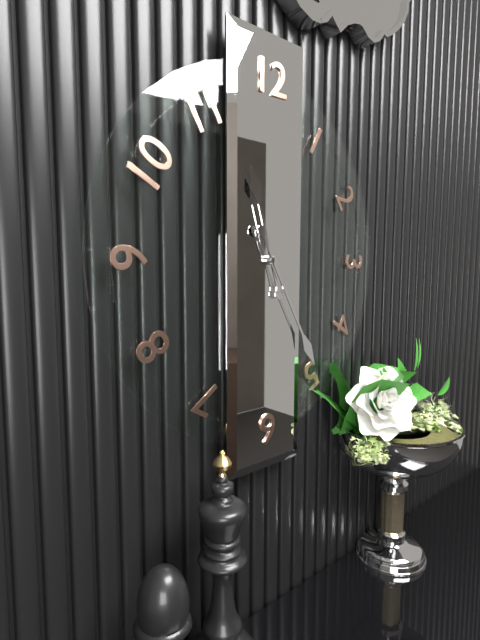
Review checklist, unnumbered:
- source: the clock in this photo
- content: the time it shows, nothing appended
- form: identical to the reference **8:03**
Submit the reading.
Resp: **11:25**
